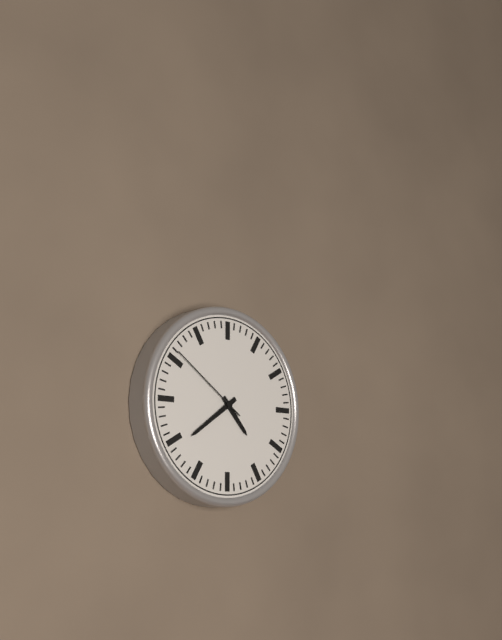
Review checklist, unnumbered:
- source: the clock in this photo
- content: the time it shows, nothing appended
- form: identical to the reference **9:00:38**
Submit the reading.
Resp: **4:39:51**
